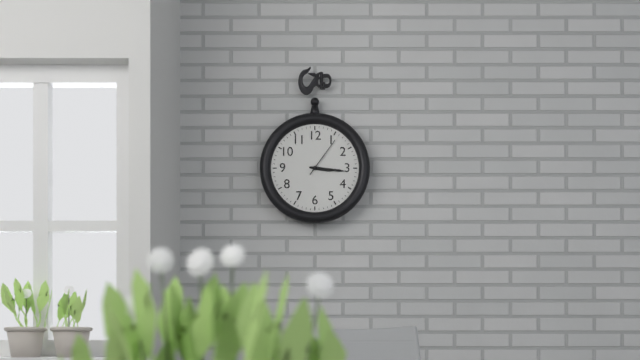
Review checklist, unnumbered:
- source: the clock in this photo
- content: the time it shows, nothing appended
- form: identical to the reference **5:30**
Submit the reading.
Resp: **3:16**
